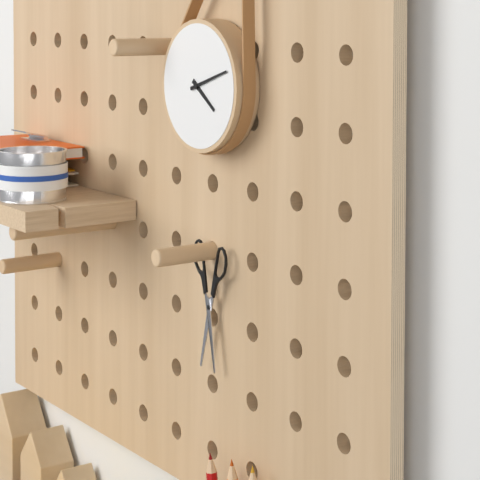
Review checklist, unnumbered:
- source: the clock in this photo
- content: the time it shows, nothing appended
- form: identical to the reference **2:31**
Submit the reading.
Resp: **4:12**
